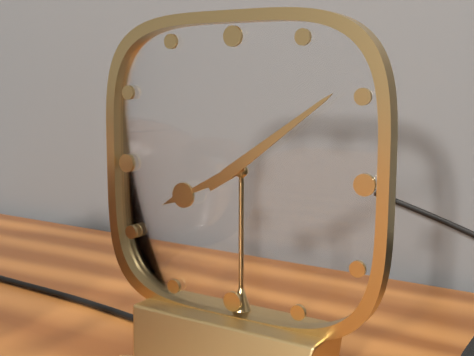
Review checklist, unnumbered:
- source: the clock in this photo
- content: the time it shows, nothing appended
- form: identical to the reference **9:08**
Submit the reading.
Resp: **8:09**
